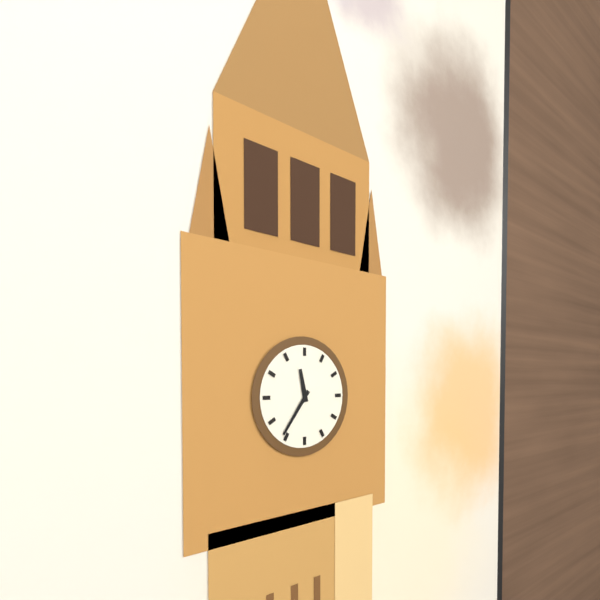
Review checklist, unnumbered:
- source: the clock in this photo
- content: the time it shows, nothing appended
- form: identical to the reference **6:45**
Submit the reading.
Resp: **11:36**
